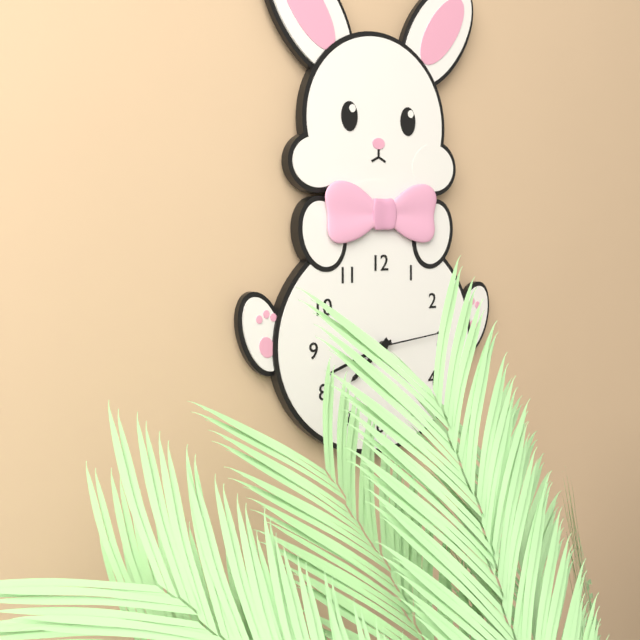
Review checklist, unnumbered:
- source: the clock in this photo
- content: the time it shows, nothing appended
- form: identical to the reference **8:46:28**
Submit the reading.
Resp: **7:42:14**
